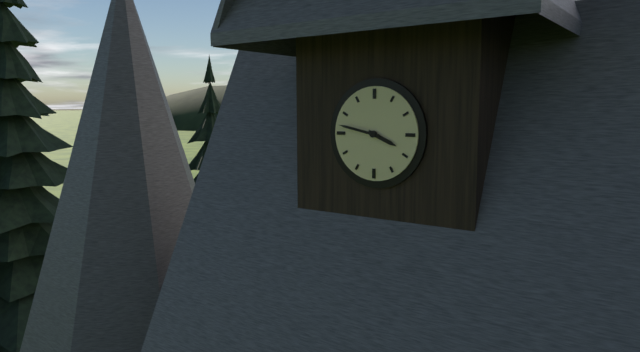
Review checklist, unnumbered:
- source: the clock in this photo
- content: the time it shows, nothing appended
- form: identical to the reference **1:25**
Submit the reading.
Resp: **3:47**
